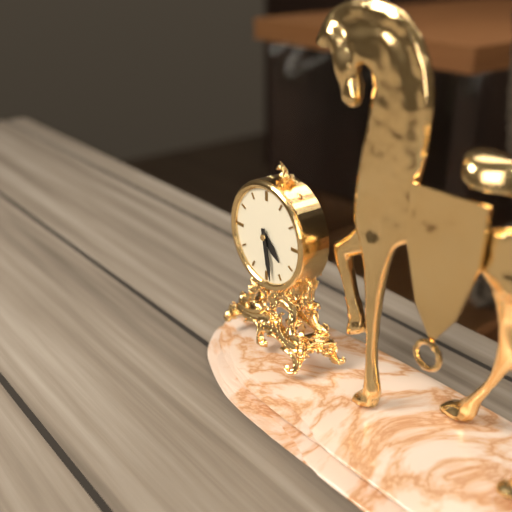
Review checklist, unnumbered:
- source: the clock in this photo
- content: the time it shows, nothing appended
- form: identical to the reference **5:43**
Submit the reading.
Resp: **4:28**
